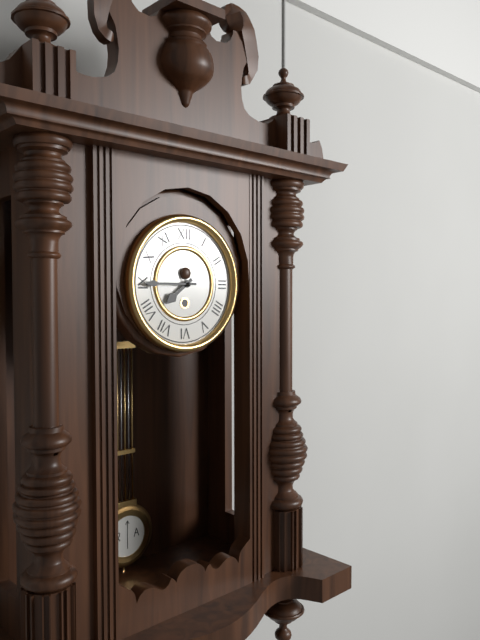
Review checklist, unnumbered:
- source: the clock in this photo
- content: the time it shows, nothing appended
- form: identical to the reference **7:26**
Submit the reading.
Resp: **7:45**
